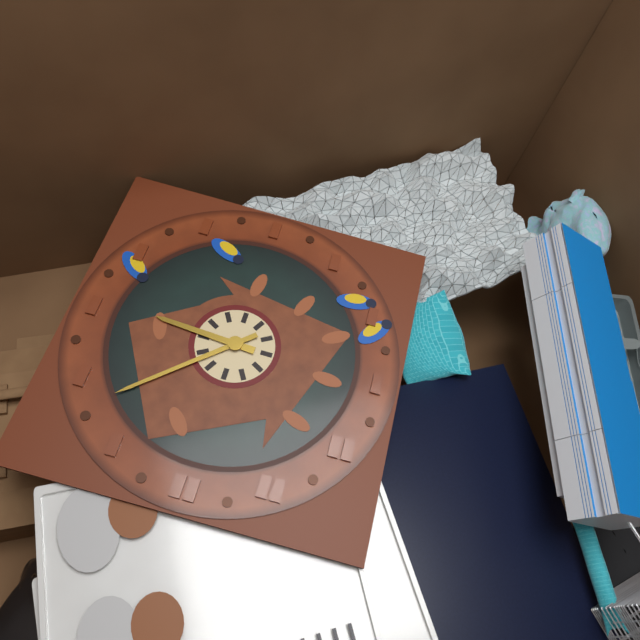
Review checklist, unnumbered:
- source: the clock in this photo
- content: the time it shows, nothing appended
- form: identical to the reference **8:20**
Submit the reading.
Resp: **3:08**
